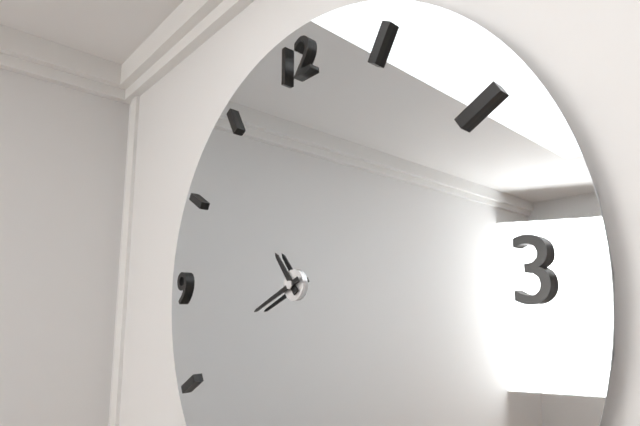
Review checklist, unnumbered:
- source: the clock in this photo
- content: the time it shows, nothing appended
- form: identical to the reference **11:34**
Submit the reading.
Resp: **10:41**
